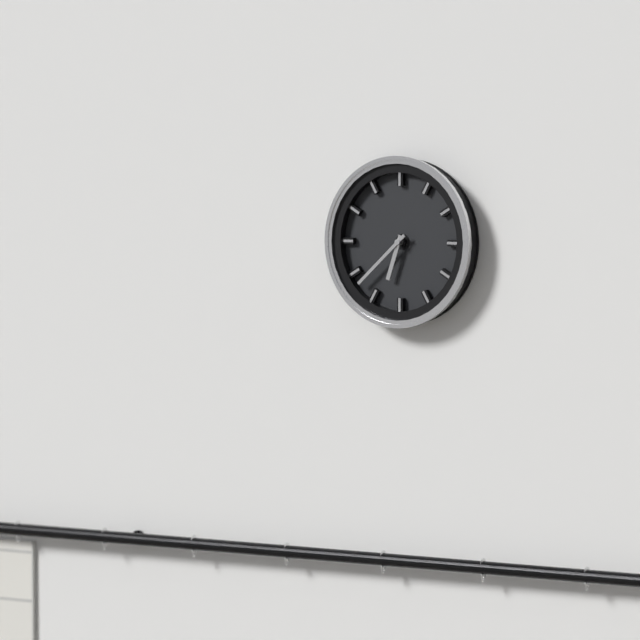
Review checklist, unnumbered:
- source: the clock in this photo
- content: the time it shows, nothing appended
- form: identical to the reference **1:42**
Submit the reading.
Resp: **6:38**
